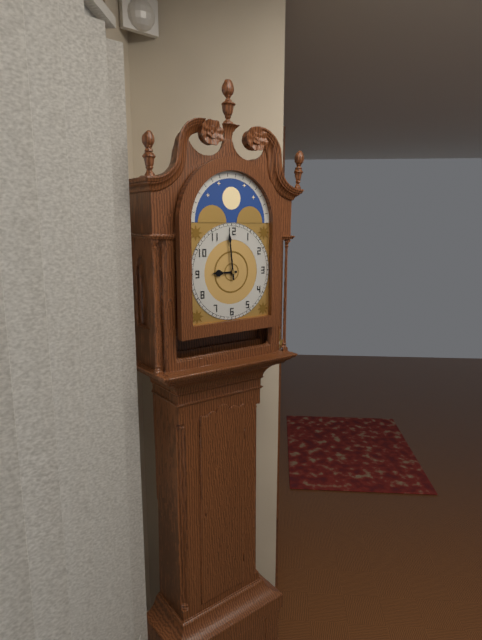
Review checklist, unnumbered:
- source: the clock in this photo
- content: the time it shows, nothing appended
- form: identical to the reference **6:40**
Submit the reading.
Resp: **8:59**
